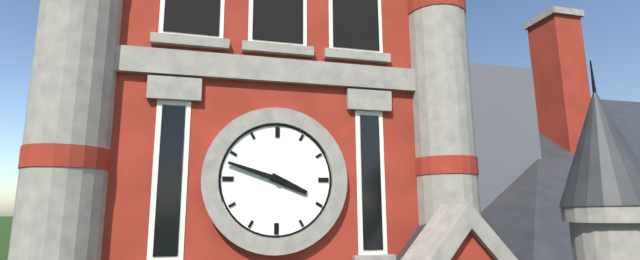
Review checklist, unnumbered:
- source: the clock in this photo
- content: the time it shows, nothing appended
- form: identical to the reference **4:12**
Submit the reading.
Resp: **3:48**
